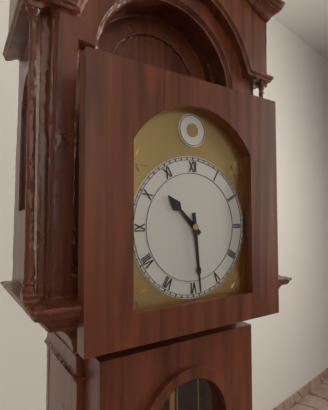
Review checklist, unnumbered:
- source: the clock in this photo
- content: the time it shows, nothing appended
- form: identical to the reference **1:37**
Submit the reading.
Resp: **10:29**
